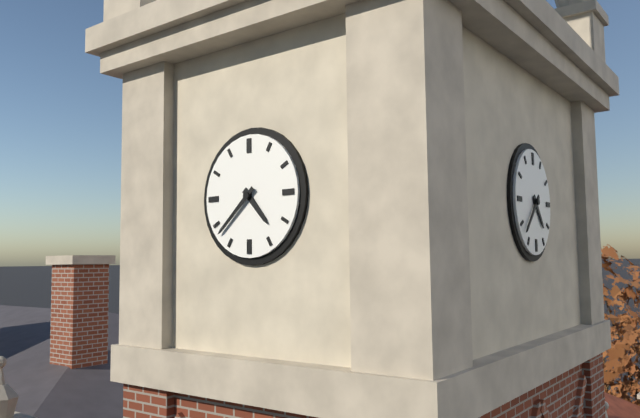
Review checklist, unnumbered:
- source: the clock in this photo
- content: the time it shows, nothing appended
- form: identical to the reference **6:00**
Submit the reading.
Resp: **4:38**
